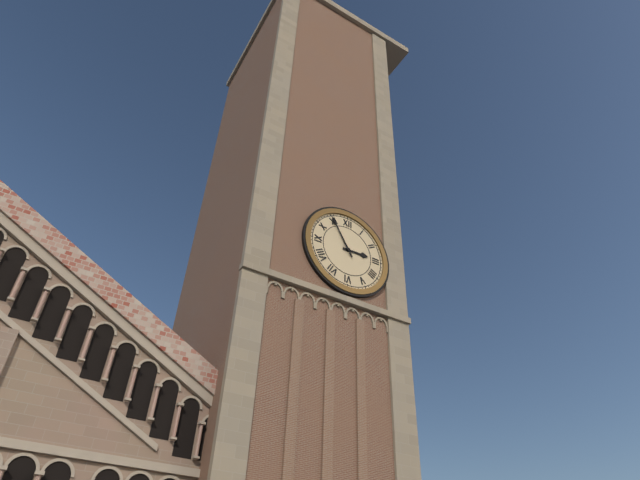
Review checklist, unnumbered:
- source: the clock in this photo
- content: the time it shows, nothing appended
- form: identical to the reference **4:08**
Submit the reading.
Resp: **2:55**
